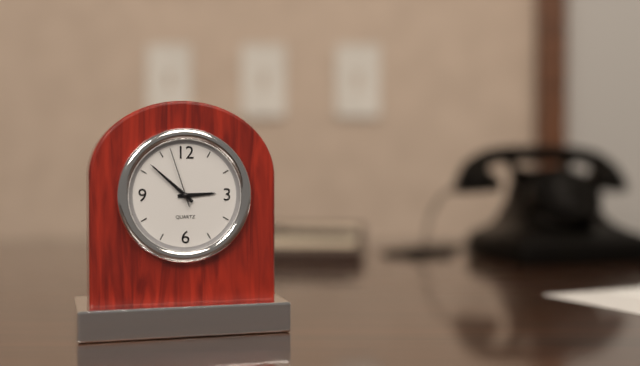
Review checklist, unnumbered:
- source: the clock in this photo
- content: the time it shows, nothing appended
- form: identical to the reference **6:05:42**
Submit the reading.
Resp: **2:52:57**
